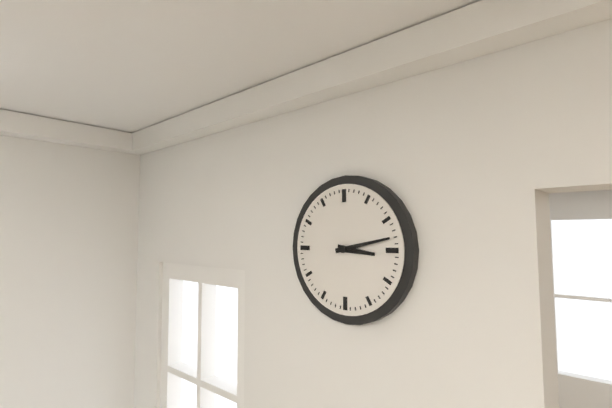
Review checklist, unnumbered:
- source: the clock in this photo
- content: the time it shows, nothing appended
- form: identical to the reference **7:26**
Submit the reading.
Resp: **3:13**
